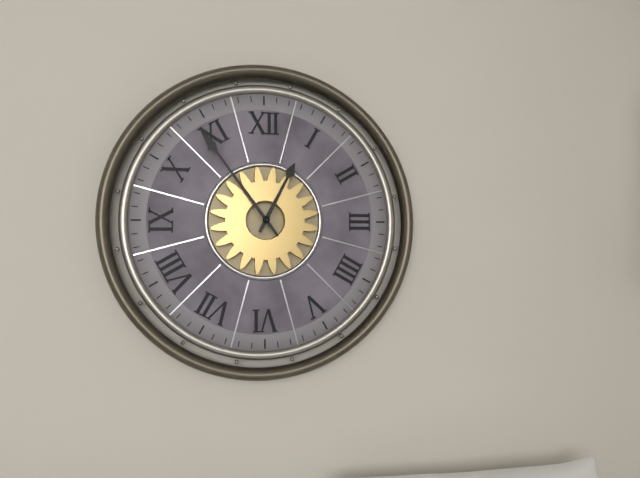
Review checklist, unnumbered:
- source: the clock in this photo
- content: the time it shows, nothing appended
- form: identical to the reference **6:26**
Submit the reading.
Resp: **12:54**
